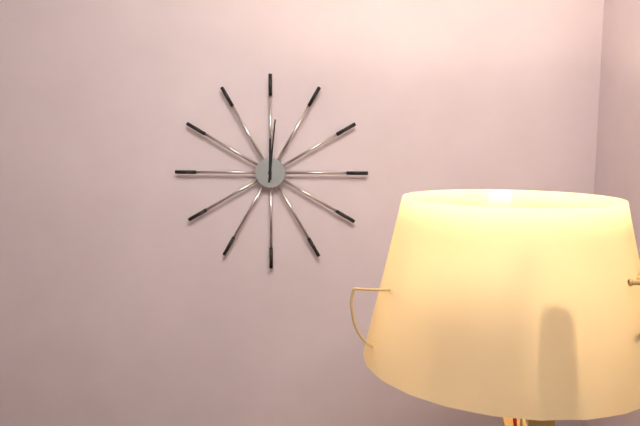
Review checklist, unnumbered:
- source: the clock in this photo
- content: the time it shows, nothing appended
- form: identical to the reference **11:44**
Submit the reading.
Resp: **12:01**
